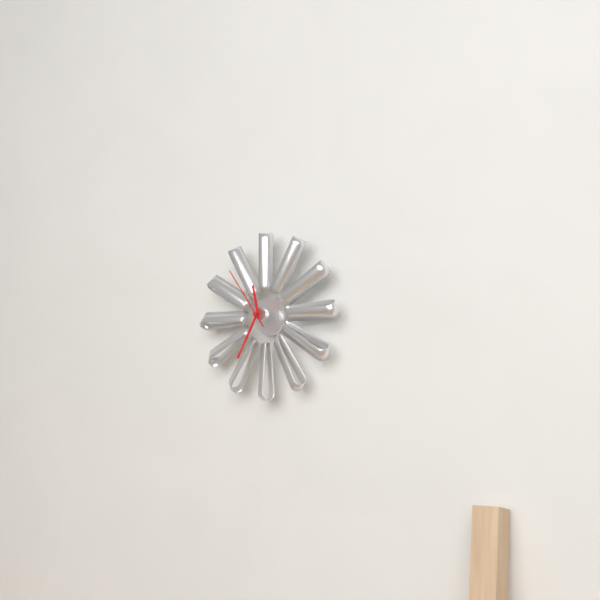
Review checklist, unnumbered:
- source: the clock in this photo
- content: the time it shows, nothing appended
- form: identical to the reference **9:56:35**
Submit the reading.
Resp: **11:35:54**
